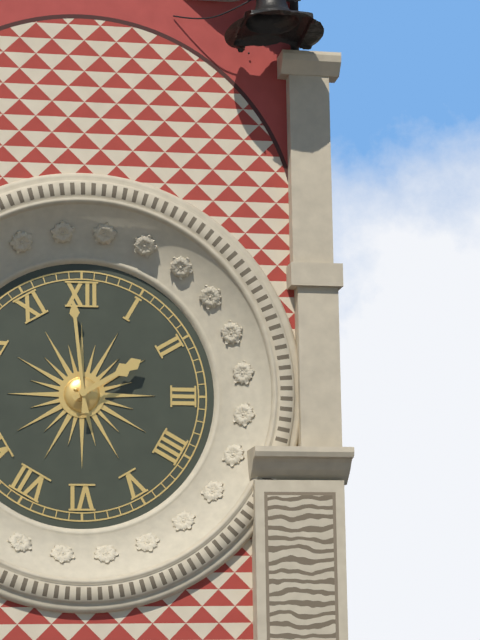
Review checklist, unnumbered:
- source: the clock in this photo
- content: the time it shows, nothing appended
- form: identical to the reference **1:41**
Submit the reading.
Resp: **1:59**
